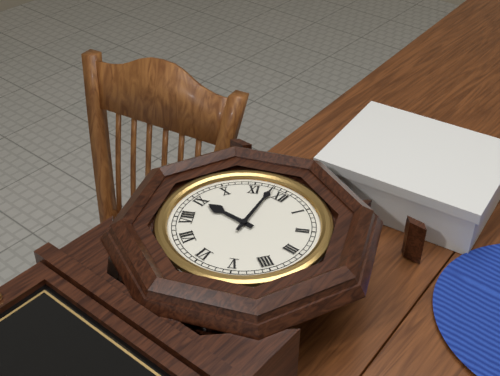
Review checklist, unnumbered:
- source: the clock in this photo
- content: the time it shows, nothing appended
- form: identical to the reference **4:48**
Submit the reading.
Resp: **8:58**
